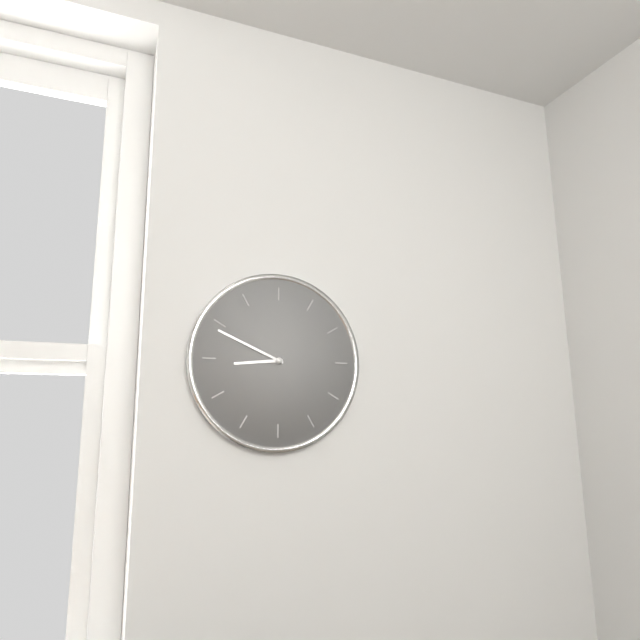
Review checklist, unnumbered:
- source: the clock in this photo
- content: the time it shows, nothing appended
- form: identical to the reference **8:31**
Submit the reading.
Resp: **8:49**
